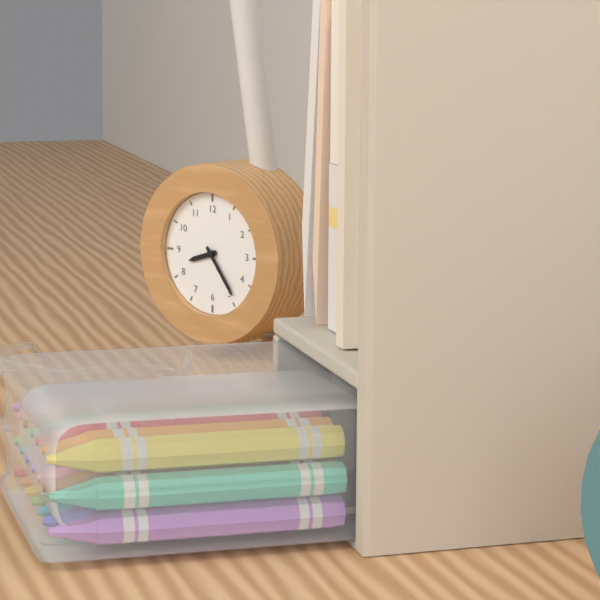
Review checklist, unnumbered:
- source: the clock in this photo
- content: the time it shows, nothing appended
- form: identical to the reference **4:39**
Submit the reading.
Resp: **8:24**
